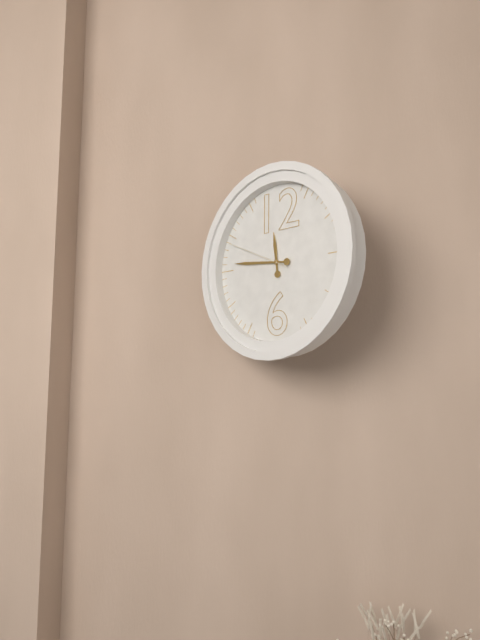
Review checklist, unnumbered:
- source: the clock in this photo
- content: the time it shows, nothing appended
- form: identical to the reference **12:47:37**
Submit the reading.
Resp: **11:46:49**
